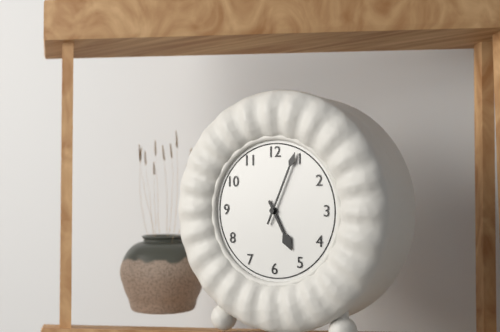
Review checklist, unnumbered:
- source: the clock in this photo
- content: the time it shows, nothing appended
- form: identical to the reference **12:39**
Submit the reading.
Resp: **5:04**
